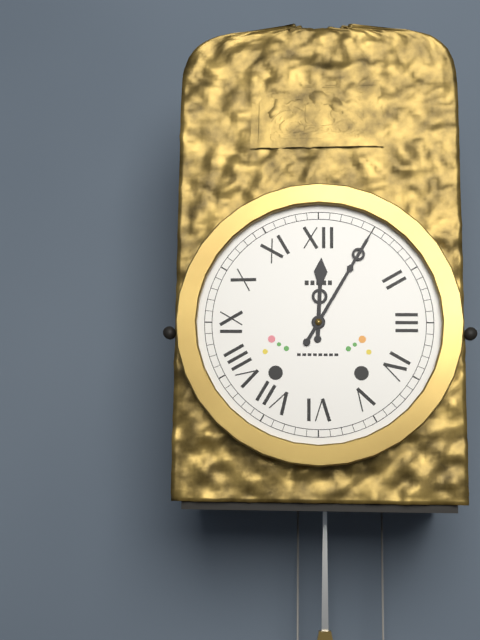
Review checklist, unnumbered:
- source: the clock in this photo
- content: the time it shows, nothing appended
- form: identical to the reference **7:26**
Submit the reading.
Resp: **12:05**
